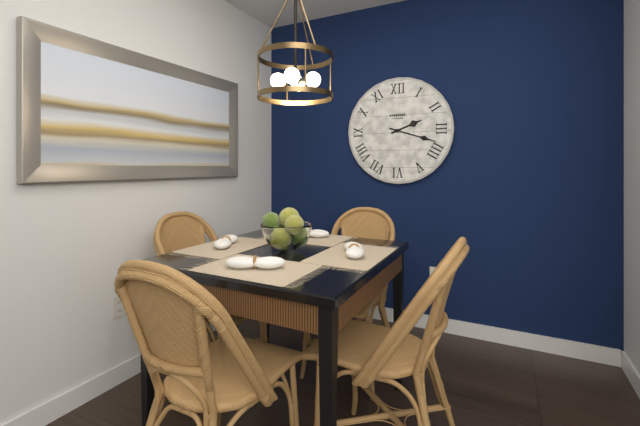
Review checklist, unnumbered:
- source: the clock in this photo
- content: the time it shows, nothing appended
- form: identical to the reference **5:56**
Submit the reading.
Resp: **2:18**
